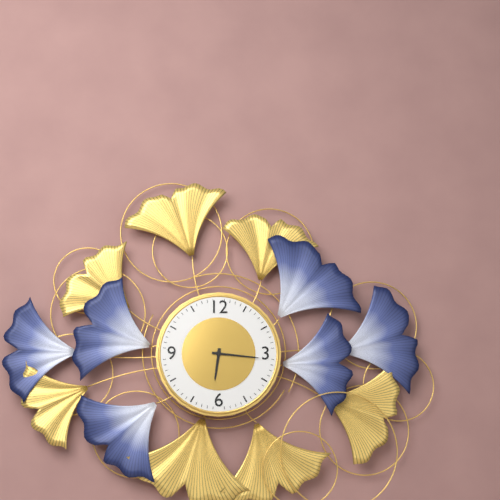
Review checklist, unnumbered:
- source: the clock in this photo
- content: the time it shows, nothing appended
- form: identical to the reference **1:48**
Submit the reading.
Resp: **6:16**
